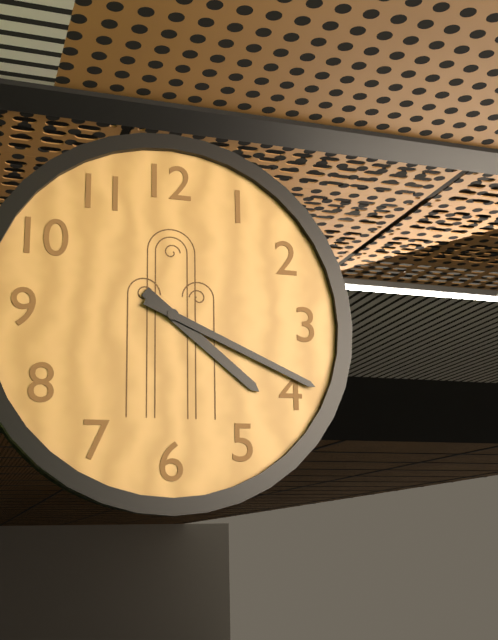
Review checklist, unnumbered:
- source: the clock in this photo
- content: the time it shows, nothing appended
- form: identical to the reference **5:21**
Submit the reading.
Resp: **4:19**
